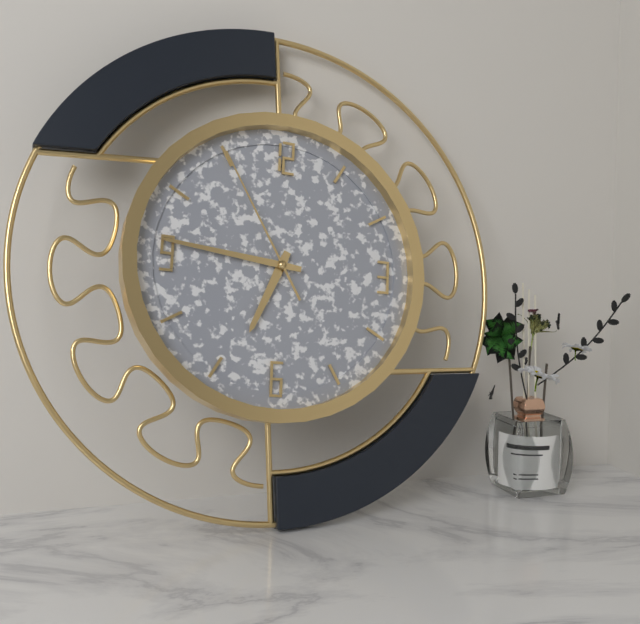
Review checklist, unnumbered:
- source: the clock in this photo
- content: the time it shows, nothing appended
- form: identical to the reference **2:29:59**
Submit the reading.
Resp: **6:46:55**
